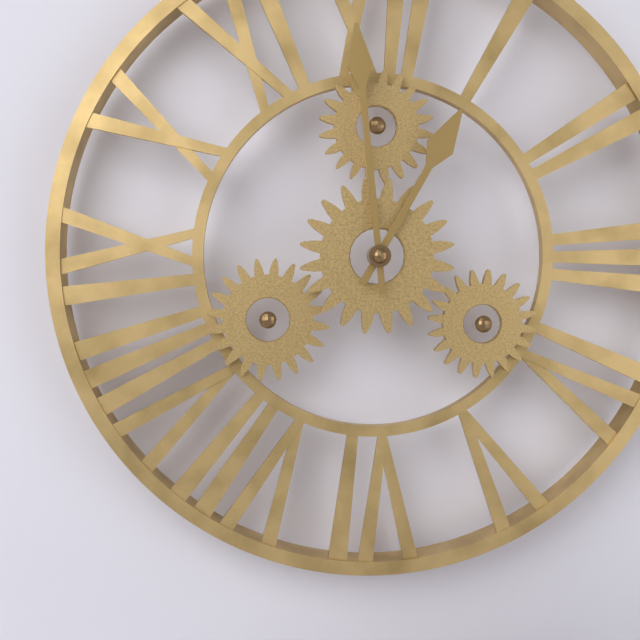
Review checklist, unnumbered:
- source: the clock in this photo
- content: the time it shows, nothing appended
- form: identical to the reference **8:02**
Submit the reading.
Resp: **12:59**
